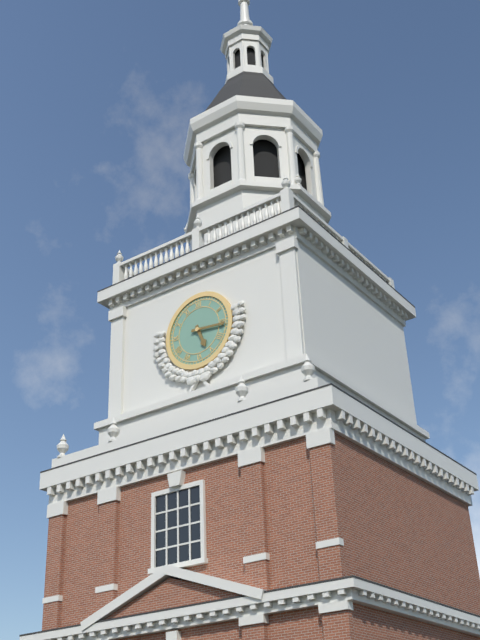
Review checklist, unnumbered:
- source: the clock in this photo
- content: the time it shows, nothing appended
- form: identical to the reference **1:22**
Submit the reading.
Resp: **5:16**
